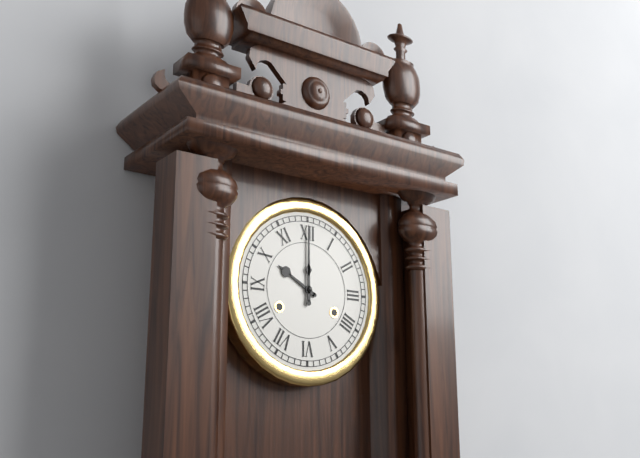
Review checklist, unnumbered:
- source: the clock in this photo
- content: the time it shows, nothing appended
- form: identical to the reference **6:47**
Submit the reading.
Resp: **10:00**
